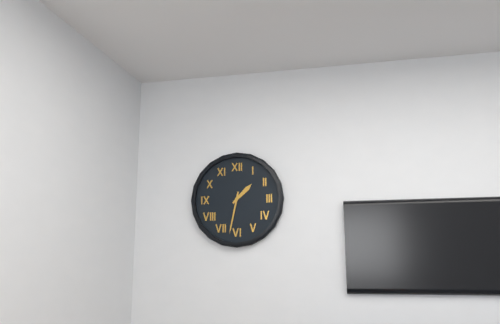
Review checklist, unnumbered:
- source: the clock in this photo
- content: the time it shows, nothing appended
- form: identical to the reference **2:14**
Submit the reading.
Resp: **1:32**
